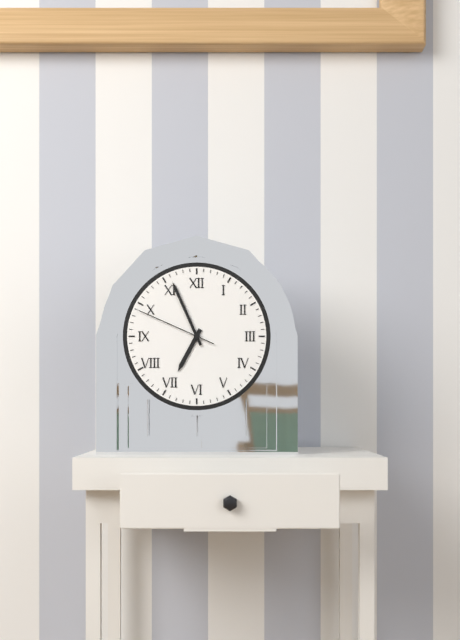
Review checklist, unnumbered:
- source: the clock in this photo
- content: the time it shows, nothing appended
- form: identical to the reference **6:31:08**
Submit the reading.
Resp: **6:56:49**
